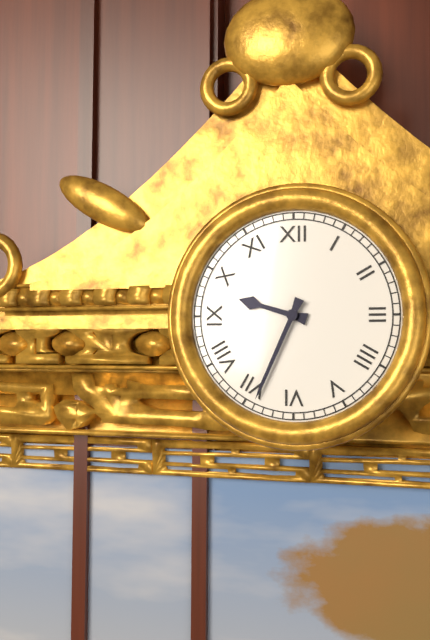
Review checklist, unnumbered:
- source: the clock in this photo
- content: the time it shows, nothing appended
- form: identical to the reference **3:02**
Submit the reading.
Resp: **9:34**
